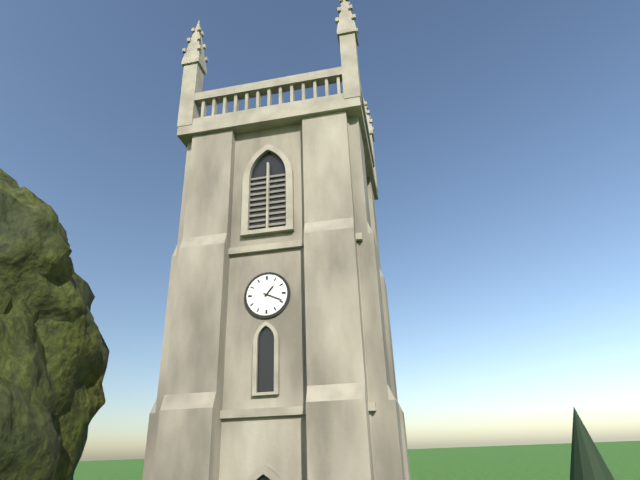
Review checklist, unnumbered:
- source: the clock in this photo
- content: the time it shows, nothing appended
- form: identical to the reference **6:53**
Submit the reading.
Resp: **1:19**
